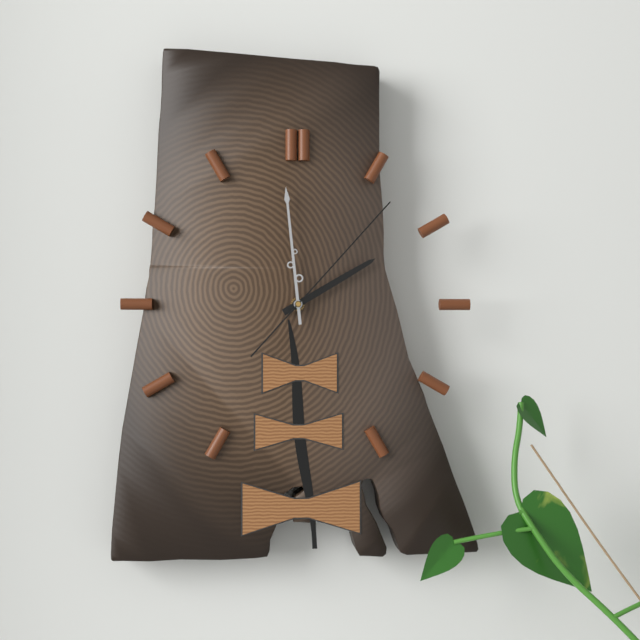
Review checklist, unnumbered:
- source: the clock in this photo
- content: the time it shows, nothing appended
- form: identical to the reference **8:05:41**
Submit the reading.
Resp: **1:59:07**
